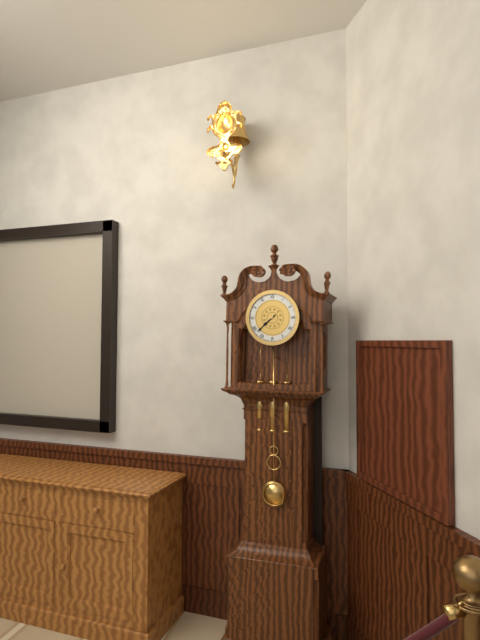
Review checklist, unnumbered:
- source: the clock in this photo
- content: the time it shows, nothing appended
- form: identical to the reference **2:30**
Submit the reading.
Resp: **7:38**
